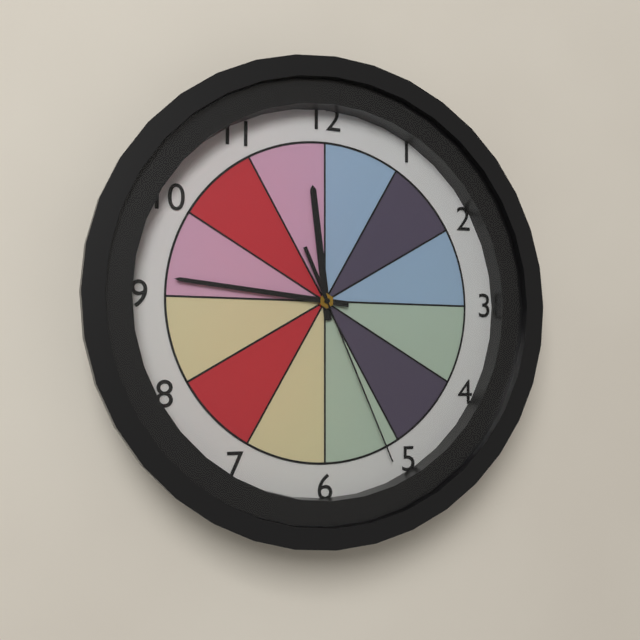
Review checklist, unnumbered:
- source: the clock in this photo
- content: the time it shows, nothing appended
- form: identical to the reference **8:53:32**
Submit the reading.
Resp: **11:46:26**
